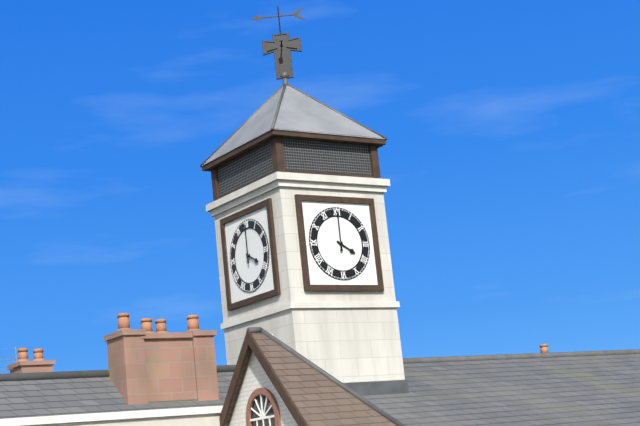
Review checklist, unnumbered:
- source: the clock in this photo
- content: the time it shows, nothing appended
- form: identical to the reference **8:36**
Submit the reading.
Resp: **4:00**
